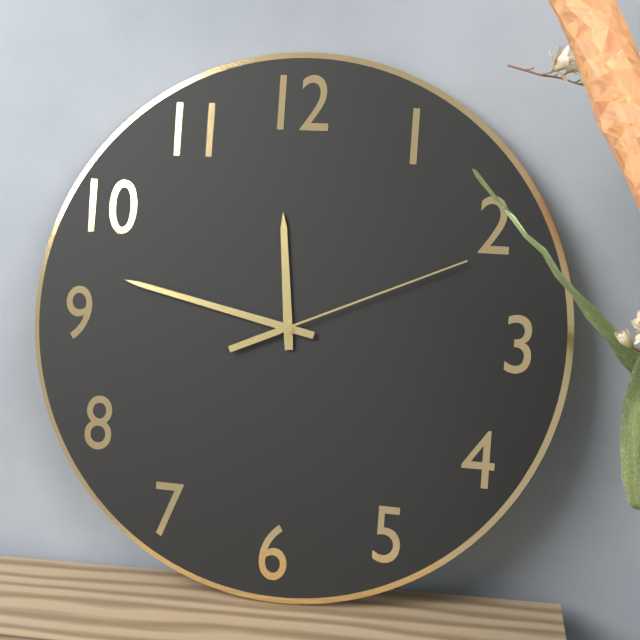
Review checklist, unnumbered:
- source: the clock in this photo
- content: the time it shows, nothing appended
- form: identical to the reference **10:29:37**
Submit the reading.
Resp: **11:47:11**
